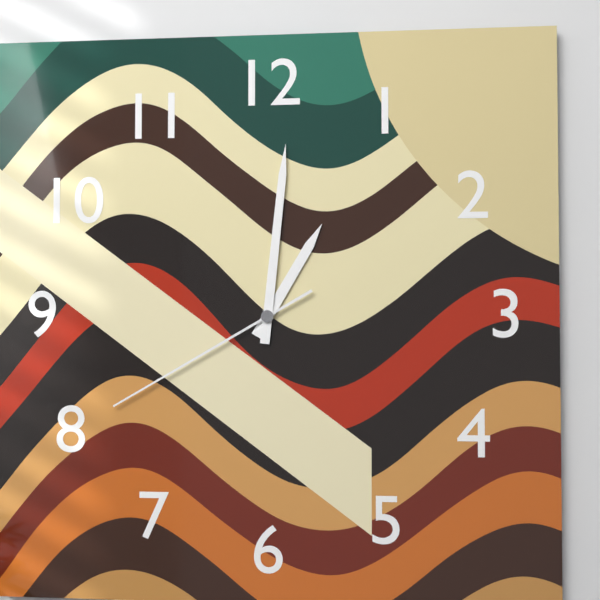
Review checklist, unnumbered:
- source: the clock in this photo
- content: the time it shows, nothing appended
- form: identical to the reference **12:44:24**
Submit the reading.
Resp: **1:01:40**
